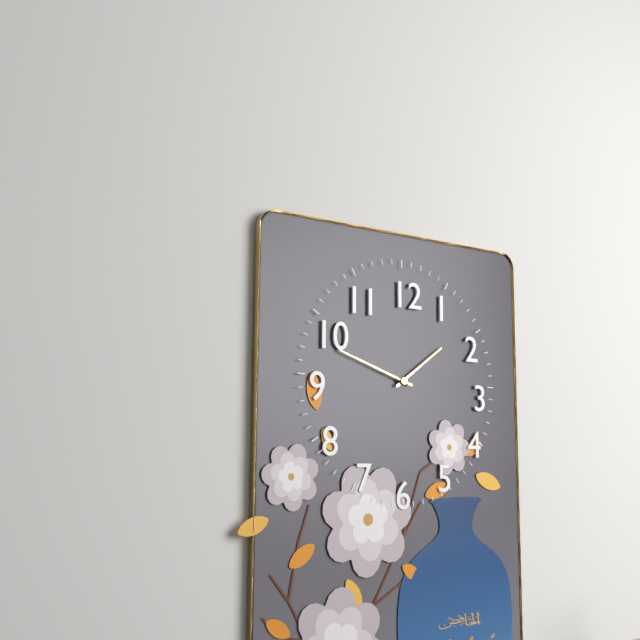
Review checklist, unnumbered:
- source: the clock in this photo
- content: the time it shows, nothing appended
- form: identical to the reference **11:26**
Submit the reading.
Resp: **1:48**
